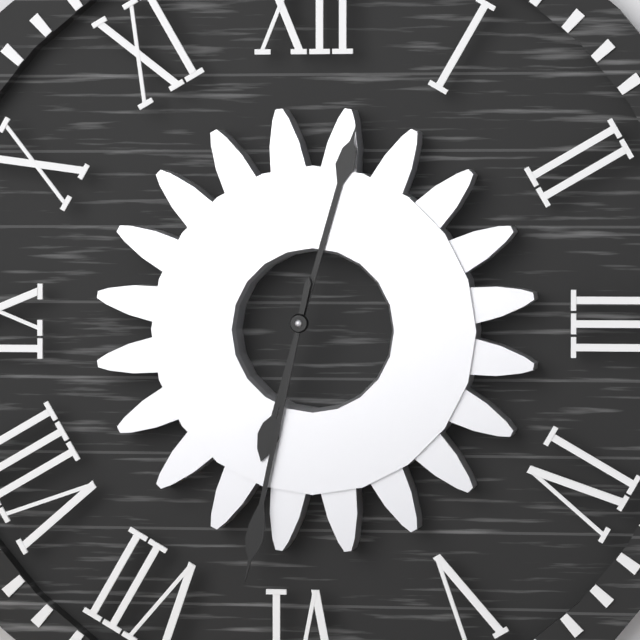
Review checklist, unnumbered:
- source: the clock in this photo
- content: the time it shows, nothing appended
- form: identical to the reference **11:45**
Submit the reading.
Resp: **12:32**
